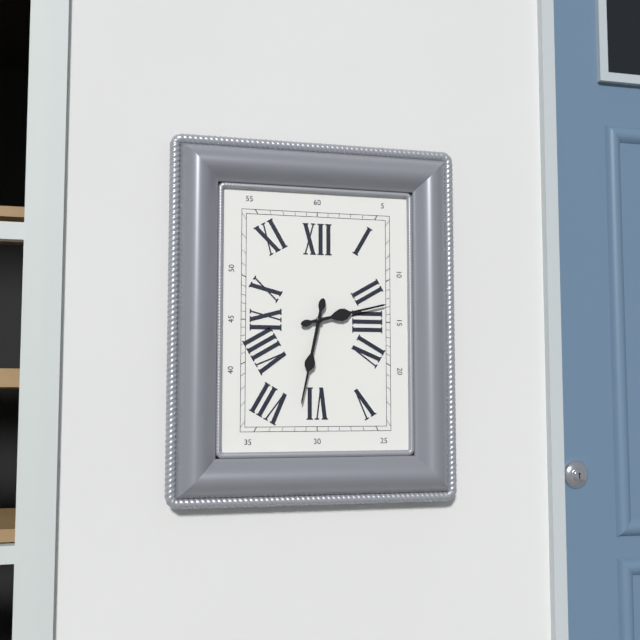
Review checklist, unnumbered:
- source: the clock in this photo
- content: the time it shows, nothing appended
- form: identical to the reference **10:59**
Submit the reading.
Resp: **2:32**
